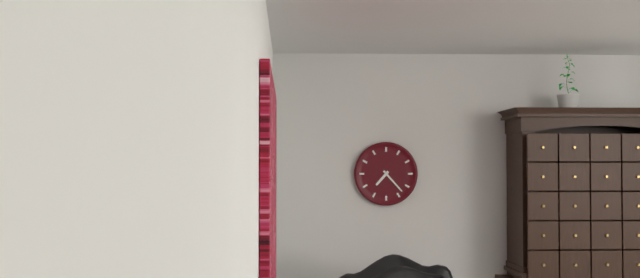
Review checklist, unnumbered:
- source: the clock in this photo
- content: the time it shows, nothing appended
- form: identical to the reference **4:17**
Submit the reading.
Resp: **7:23**
